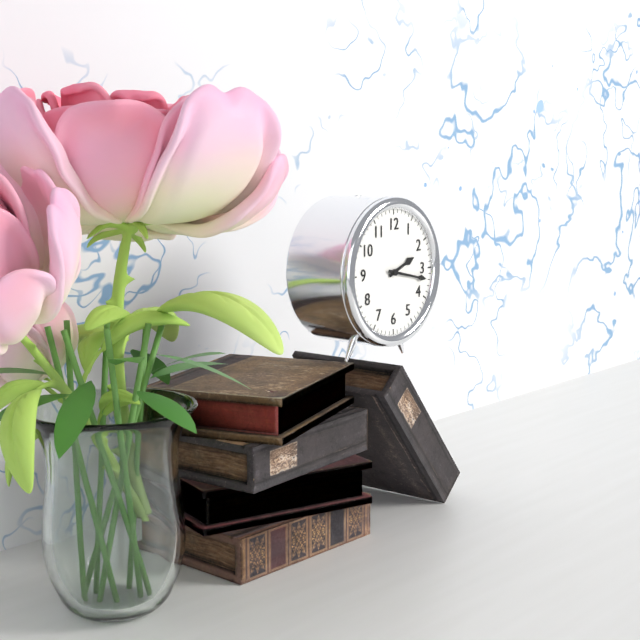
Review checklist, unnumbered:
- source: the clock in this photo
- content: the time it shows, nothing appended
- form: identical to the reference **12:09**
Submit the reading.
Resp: **2:17**
